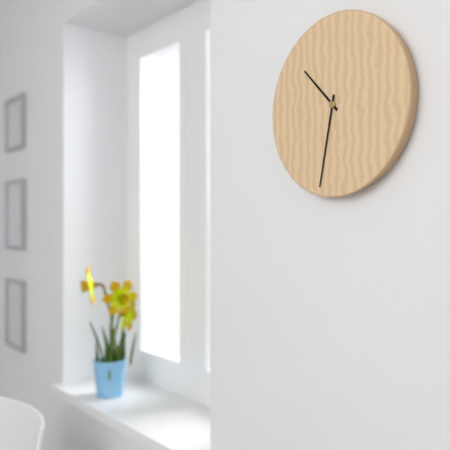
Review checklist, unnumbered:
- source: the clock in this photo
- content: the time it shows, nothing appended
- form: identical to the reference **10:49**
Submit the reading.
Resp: **10:32**
